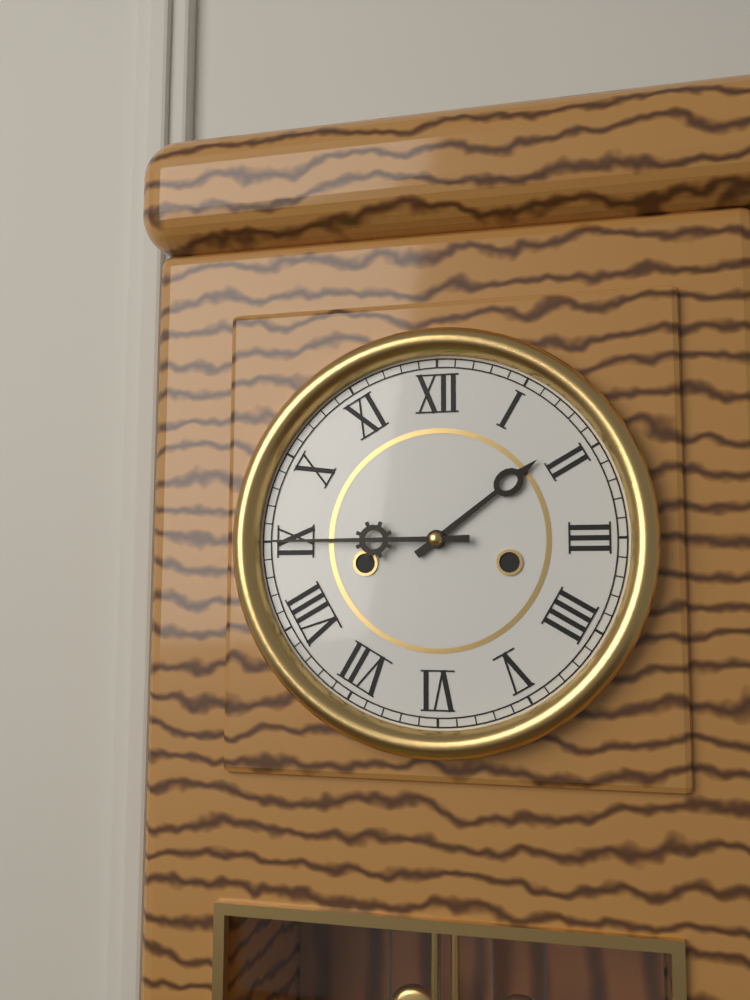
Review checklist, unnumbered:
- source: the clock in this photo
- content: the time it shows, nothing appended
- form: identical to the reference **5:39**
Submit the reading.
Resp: **1:45**
